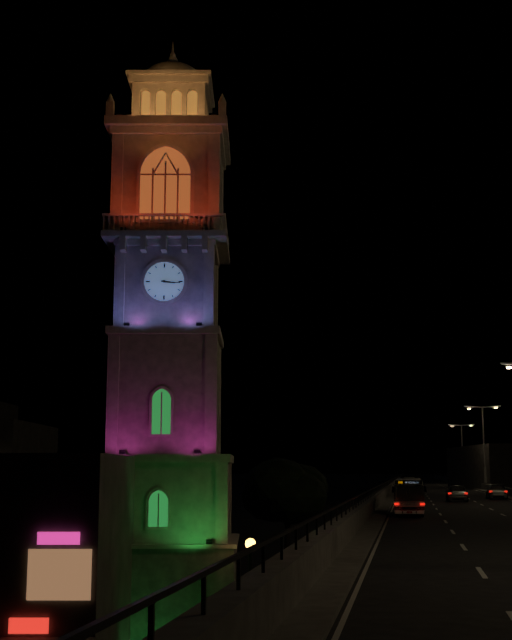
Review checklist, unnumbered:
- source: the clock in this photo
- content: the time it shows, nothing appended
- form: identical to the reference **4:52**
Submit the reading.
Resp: **3:16**
